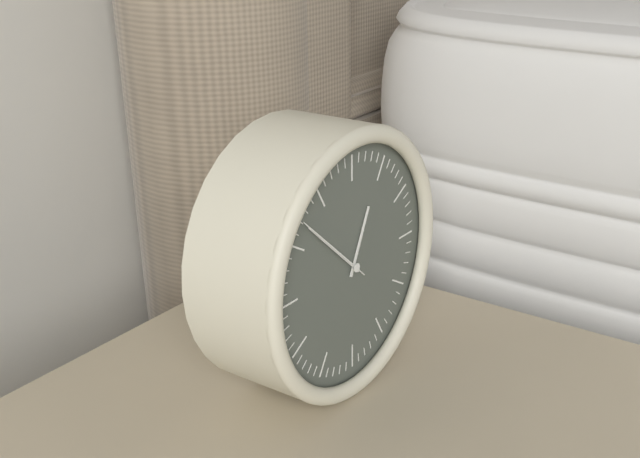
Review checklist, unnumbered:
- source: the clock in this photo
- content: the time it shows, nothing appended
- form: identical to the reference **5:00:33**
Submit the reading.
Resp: **12:52:52**
